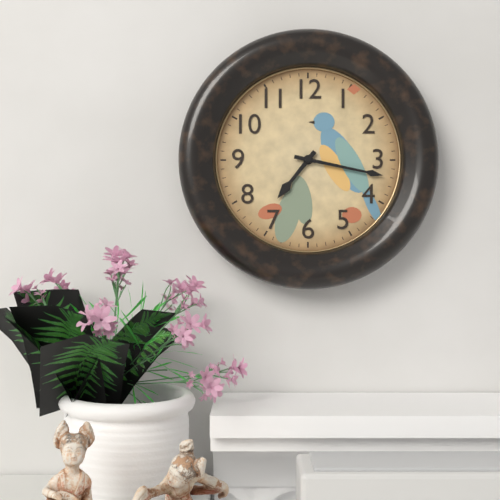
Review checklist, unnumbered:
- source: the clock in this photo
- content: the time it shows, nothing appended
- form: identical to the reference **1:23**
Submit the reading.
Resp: **7:17**
